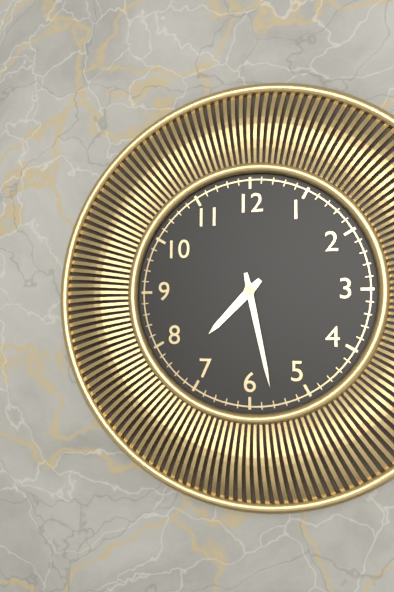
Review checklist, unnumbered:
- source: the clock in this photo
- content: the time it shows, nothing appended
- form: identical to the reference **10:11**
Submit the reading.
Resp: **7:28**
